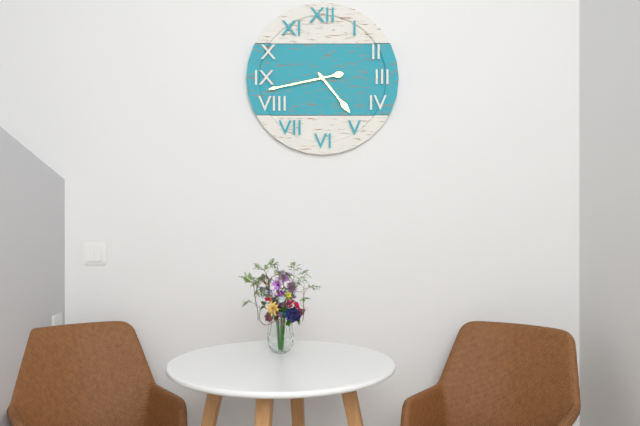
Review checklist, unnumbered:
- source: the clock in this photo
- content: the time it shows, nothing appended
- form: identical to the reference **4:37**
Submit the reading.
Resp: **4:43**
